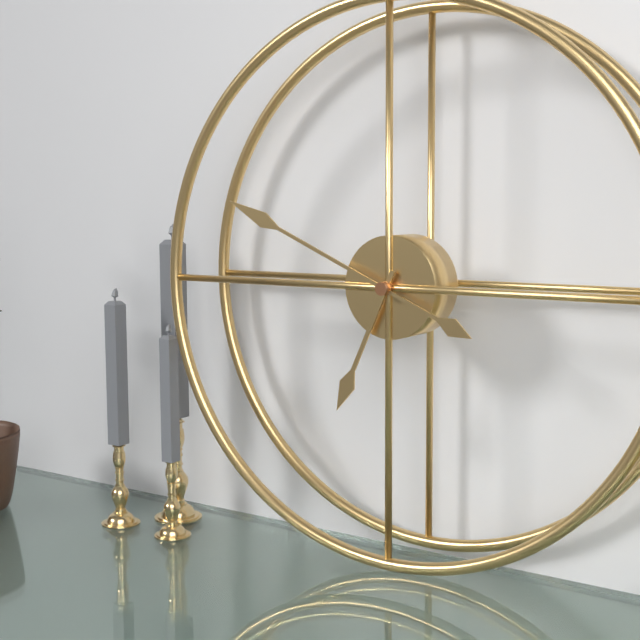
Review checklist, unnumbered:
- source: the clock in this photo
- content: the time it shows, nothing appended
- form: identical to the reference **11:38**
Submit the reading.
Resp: **6:49**
